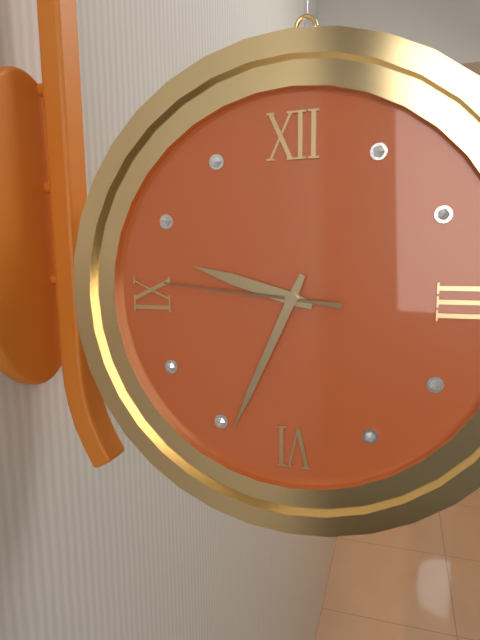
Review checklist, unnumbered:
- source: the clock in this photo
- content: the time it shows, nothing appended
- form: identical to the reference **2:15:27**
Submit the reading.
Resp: **9:34:46**
